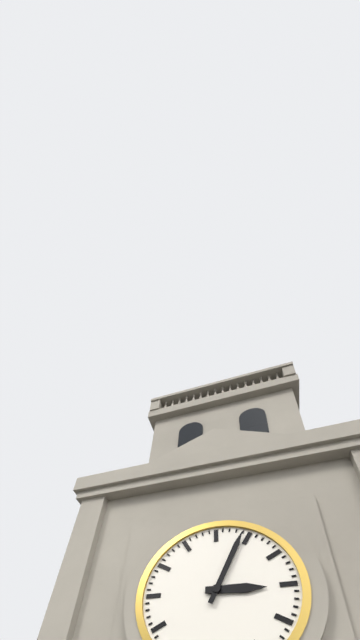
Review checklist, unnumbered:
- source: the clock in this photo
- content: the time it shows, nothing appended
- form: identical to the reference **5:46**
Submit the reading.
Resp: **3:04**
